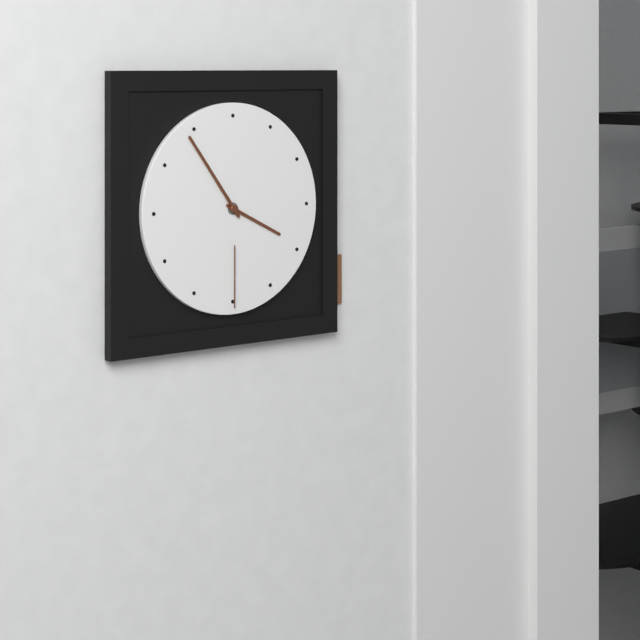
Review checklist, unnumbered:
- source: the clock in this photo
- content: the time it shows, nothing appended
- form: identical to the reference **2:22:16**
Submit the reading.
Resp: **3:54:30**
